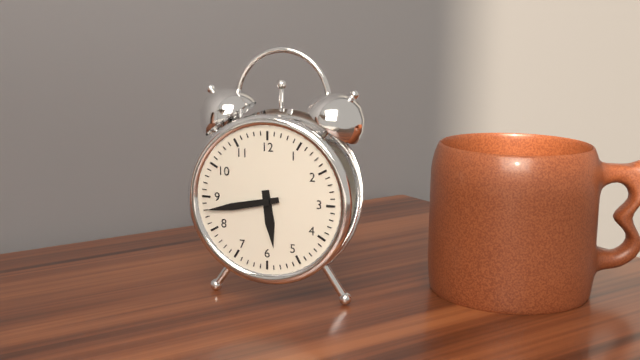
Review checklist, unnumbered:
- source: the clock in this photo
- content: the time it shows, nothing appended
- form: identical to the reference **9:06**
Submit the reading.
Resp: **5:43**
